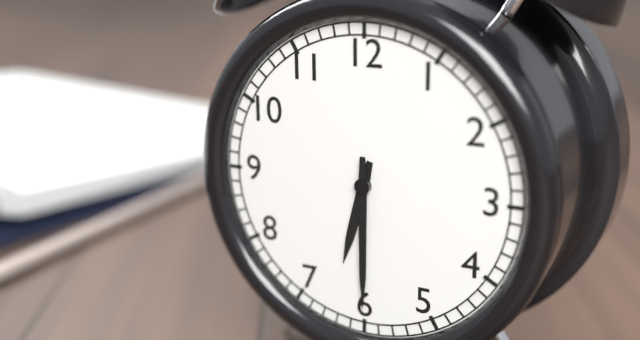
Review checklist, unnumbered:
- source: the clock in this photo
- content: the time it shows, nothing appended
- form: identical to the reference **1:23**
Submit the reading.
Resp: **6:30**
